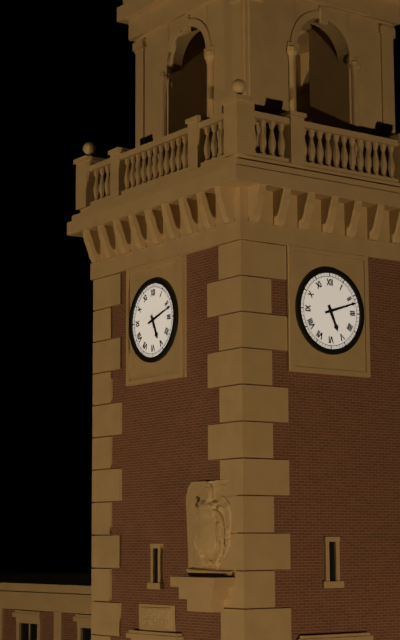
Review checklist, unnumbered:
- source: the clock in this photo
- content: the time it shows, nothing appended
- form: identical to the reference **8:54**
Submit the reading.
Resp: **5:12**
